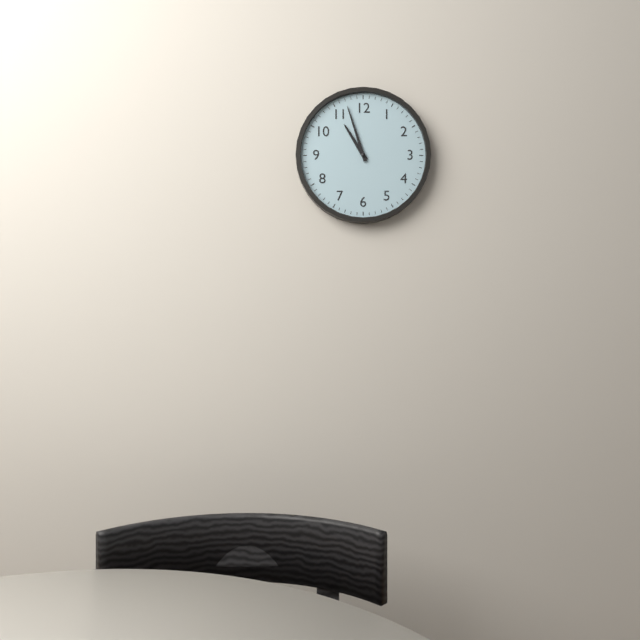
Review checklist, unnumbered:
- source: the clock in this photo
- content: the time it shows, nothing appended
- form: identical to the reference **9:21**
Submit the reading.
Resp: **10:57**
